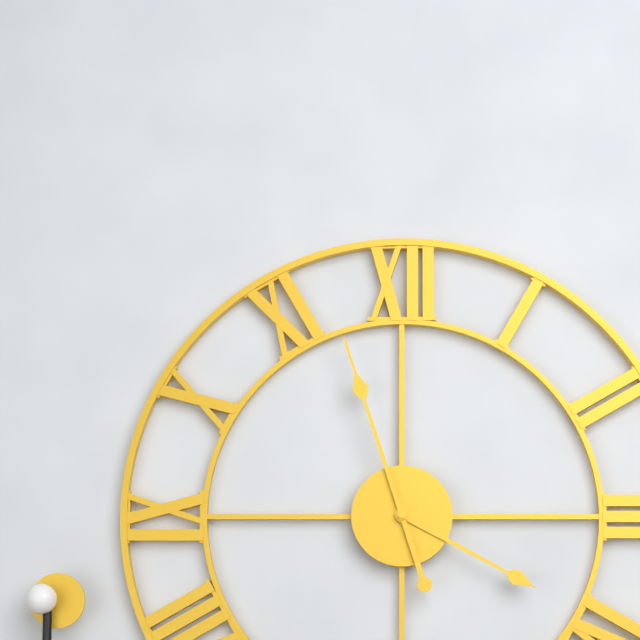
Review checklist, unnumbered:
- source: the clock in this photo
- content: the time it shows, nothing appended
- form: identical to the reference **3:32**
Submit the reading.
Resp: **3:57**
